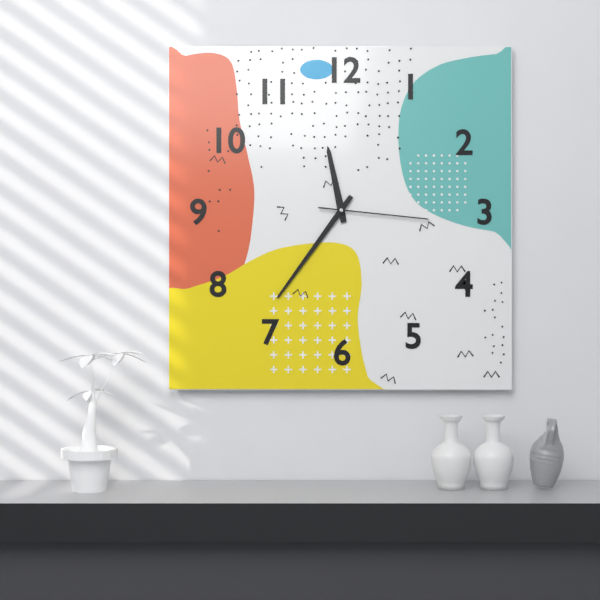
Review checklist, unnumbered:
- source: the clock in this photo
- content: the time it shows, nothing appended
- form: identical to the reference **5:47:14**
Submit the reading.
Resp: **11:36:16**
